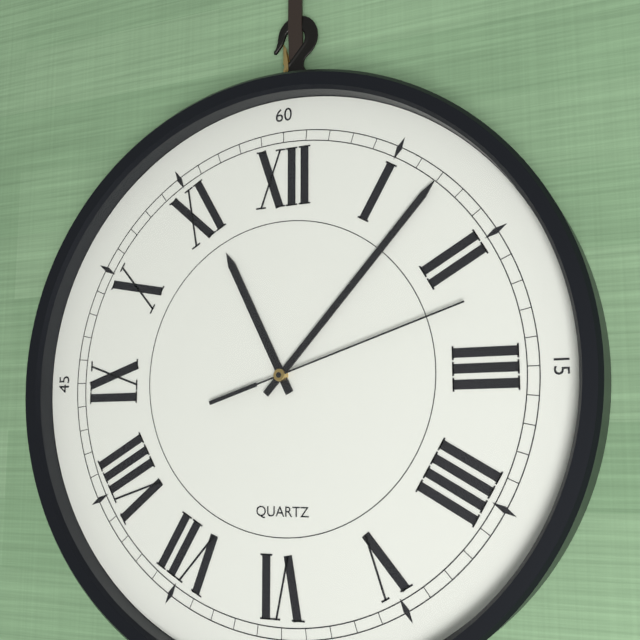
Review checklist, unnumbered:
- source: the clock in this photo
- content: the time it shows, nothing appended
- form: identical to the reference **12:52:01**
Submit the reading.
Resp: **11:07:12**
